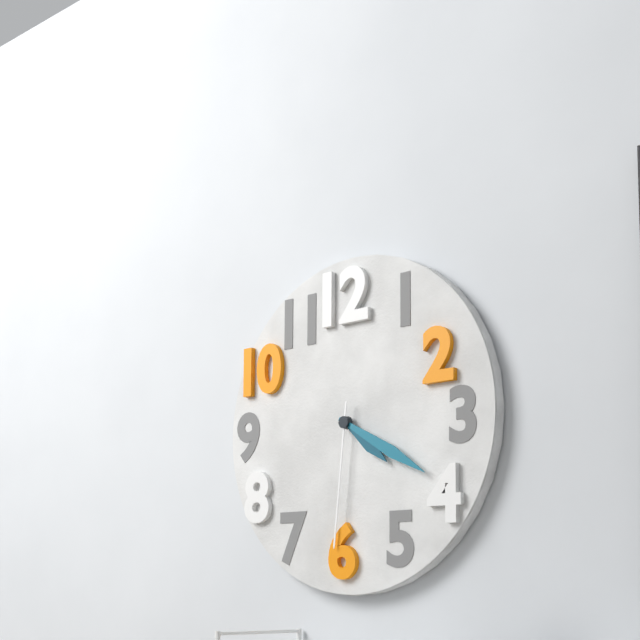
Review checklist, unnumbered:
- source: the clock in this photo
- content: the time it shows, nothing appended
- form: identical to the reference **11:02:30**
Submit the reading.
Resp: **4:20:31**
